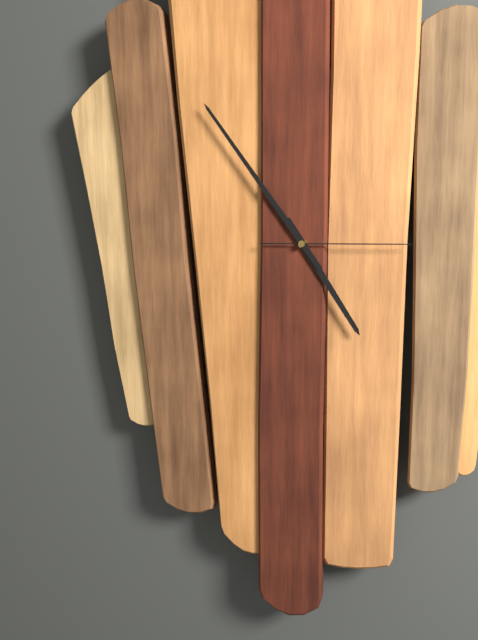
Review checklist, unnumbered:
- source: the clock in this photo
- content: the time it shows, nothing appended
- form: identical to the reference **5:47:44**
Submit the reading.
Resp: **4:54:15**
